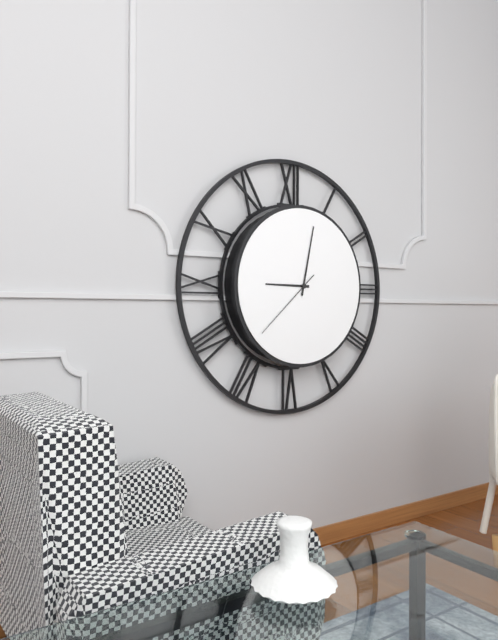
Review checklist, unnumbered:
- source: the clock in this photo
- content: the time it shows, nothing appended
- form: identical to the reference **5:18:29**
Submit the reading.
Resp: **9:02:38**
